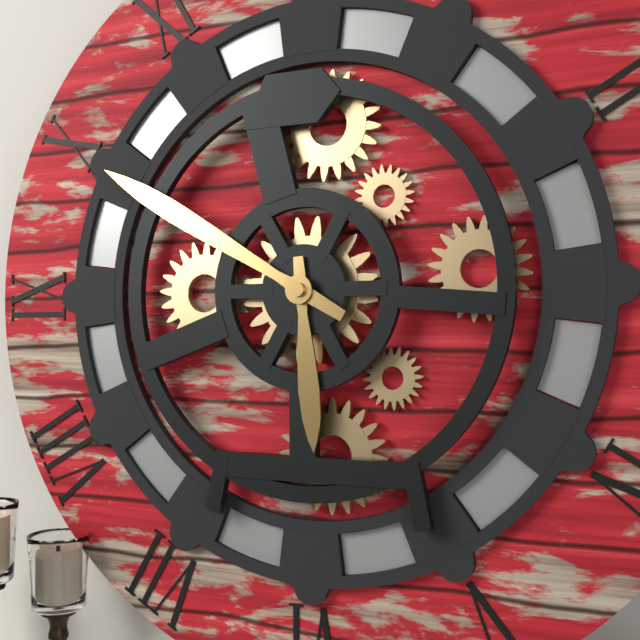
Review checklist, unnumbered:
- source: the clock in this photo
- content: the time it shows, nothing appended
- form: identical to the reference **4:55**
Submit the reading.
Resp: **5:50**
